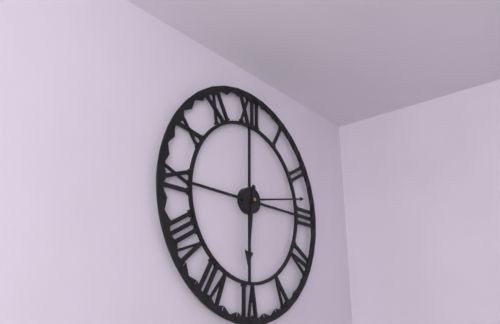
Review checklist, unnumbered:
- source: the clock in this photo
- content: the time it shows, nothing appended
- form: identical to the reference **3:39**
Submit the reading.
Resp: **6:13**
